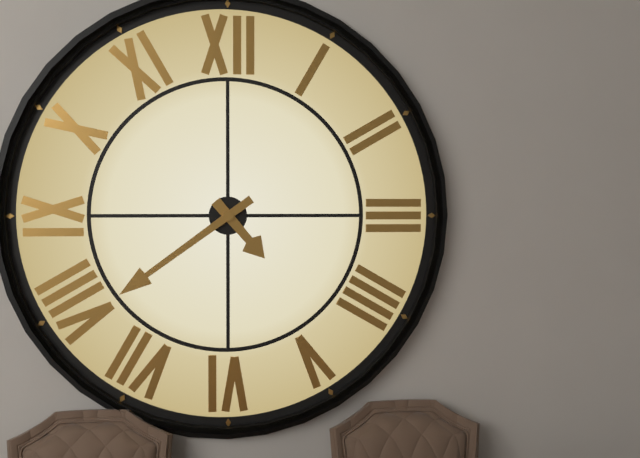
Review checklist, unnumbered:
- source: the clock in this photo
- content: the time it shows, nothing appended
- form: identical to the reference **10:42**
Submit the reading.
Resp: **4:39**
